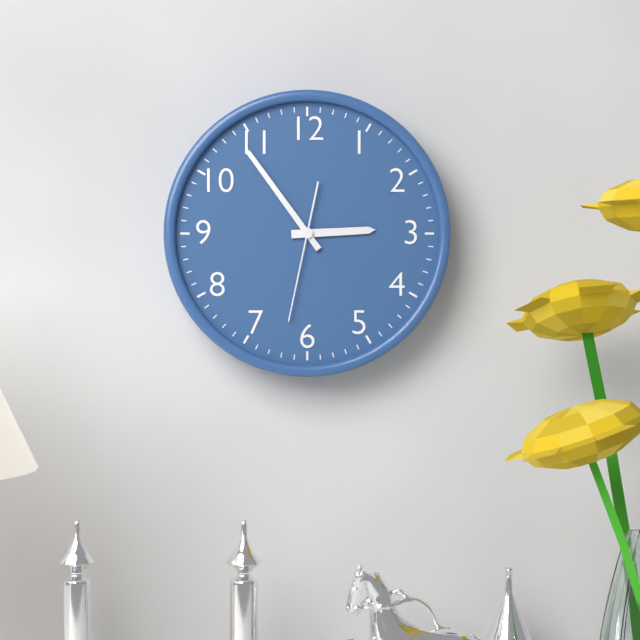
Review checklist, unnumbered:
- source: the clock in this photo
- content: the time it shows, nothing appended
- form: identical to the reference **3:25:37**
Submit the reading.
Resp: **2:54:32**
